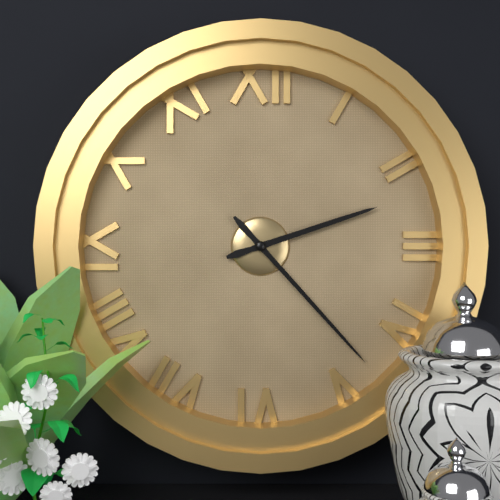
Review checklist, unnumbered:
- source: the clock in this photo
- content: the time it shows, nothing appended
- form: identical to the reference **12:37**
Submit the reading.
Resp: **2:23**
